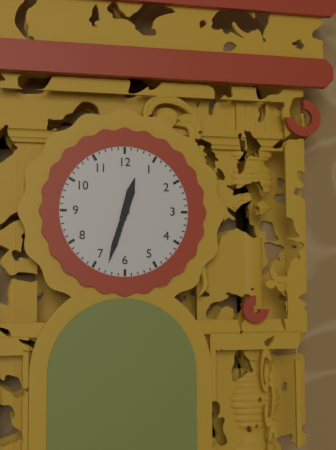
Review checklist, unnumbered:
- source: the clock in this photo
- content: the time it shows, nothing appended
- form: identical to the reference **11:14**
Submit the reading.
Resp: **12:33**
